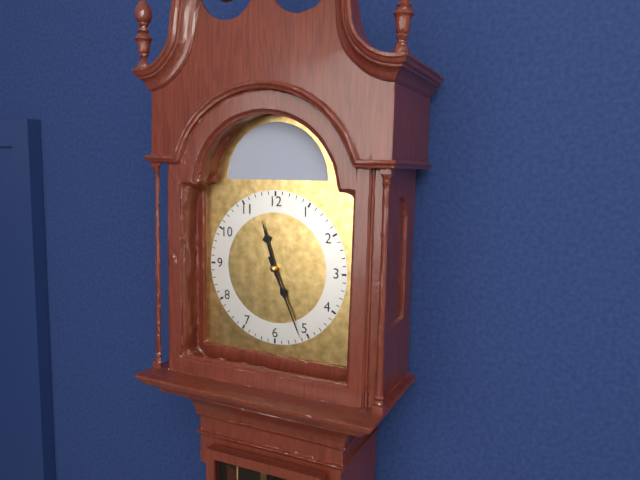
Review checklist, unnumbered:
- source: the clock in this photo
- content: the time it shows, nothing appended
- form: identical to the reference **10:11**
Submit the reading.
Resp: **11:26**
